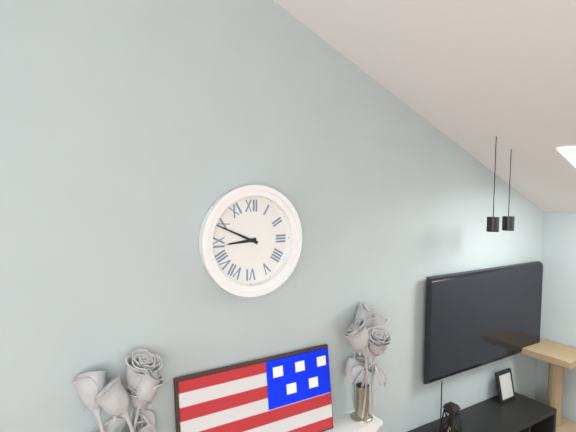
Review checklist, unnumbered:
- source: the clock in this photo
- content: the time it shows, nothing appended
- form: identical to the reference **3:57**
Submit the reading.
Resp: **8:49**
